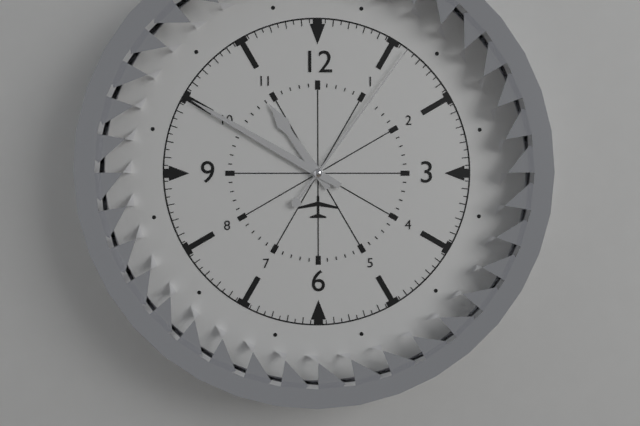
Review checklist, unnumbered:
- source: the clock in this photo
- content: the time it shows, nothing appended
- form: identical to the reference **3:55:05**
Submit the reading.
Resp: **10:50:06**
